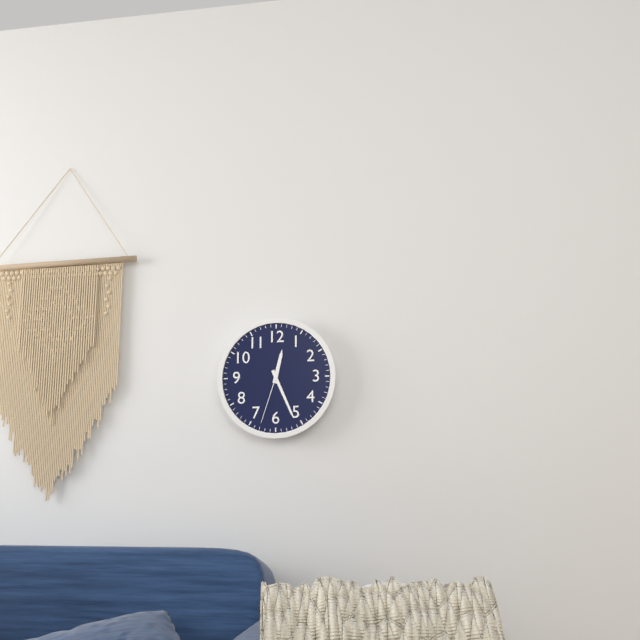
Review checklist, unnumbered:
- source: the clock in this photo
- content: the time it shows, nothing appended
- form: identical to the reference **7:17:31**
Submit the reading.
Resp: **12:26:33**
